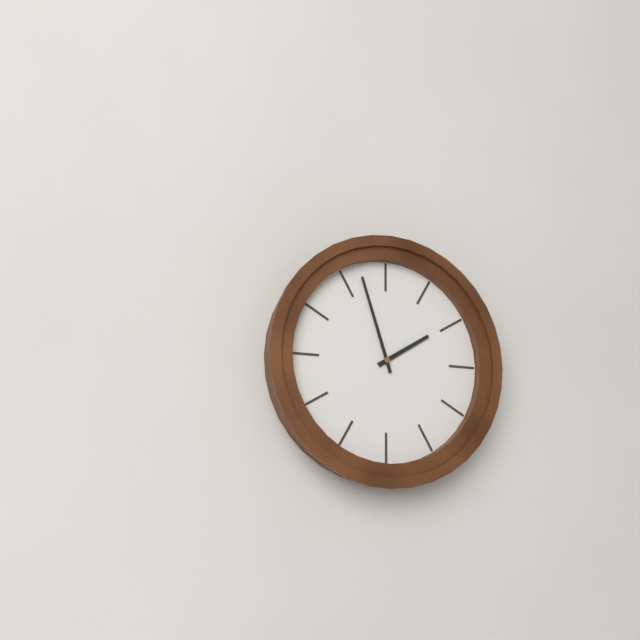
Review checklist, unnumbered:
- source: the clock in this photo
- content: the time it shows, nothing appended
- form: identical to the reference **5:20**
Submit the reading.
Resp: **1:57**
